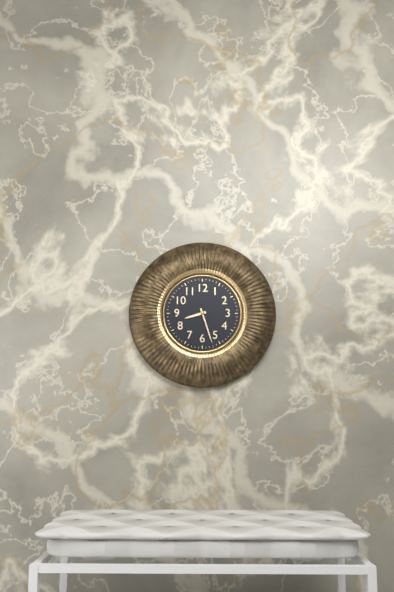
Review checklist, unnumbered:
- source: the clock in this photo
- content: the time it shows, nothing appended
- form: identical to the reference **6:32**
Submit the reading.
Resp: **8:27**
